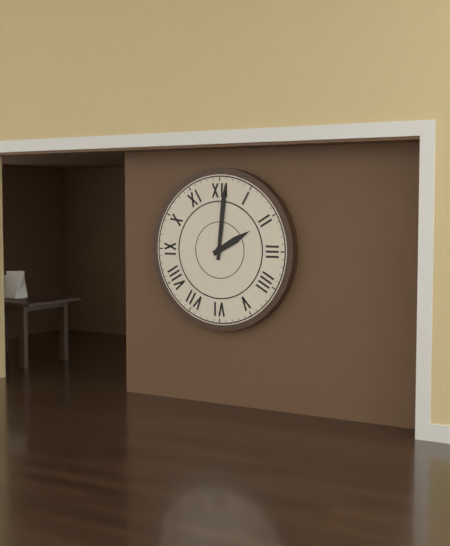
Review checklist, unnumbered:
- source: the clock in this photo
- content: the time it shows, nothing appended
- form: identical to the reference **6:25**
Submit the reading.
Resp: **2:01**
